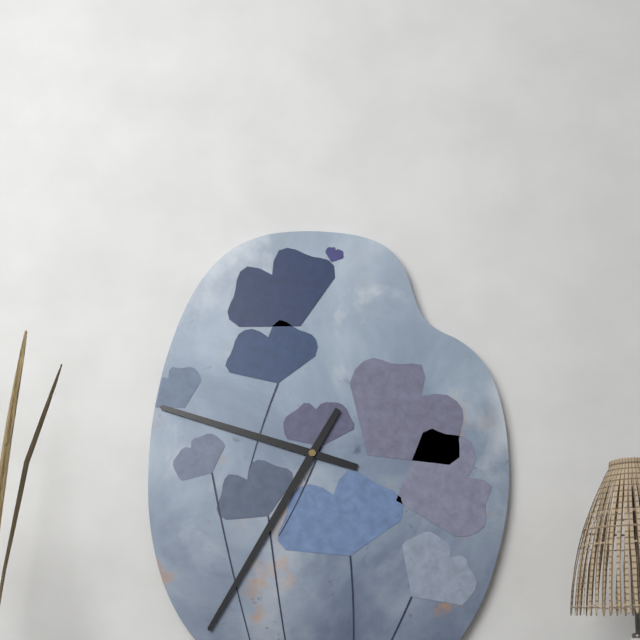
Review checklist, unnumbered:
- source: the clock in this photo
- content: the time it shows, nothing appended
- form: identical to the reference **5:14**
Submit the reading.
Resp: **9:35**
